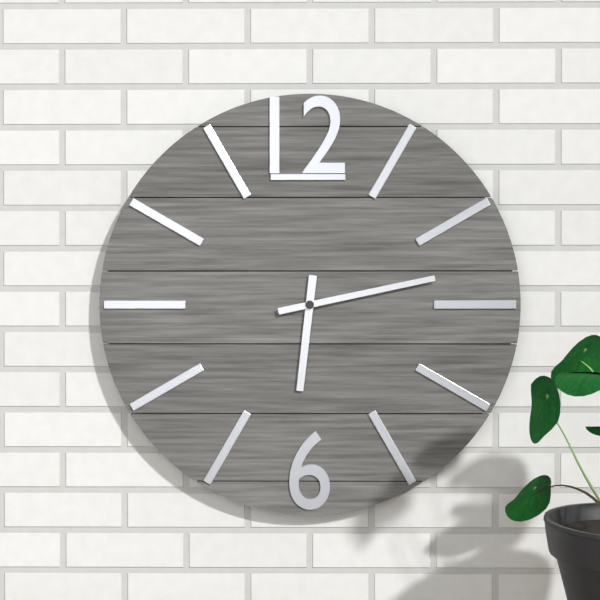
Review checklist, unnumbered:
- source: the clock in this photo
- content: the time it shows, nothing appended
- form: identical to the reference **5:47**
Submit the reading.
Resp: **6:13**
